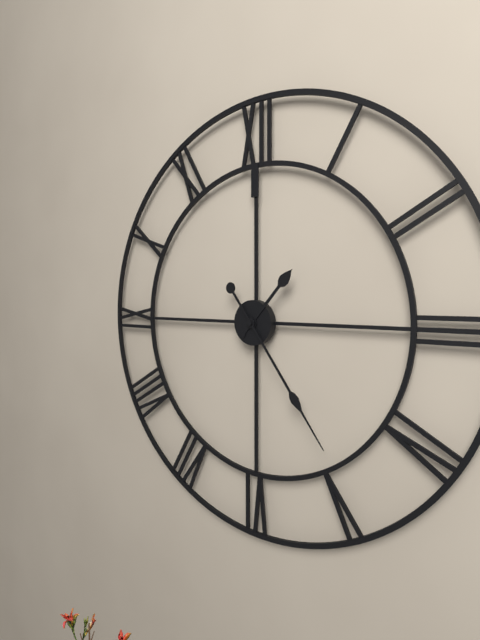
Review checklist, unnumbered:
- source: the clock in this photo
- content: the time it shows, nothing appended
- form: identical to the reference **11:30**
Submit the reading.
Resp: **1:24**
